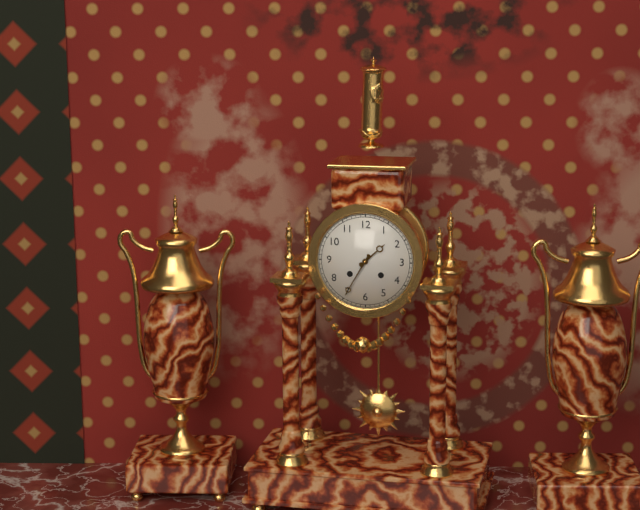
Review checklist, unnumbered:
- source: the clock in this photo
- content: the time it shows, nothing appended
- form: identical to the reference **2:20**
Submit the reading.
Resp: **1:35**
